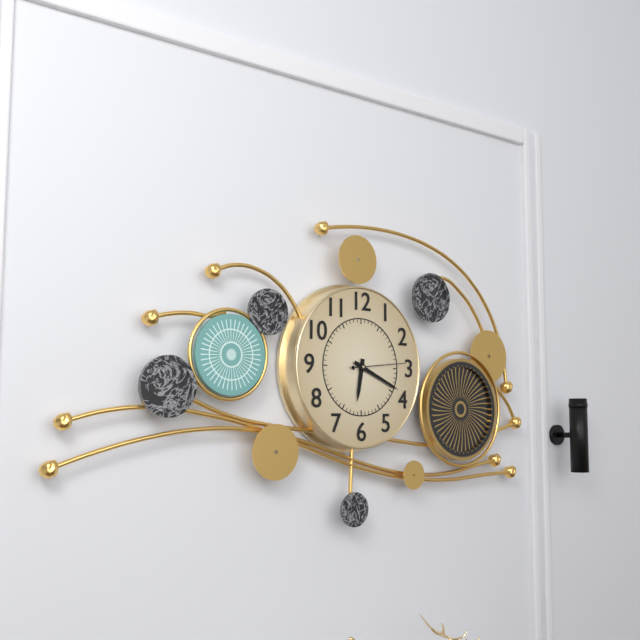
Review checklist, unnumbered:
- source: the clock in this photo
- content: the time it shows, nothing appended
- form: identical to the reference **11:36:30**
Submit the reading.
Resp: **6:19:14**
